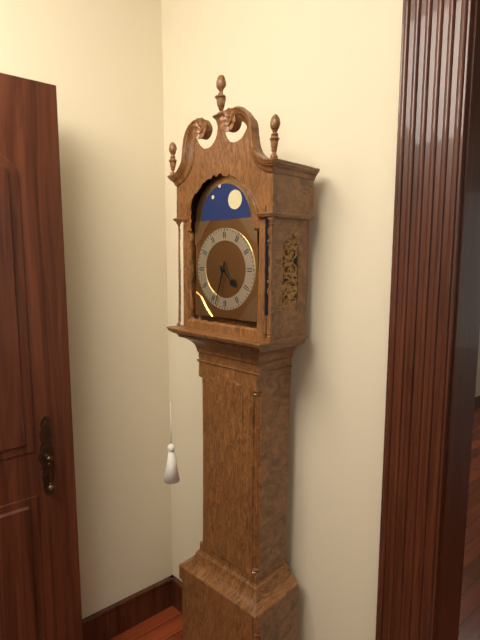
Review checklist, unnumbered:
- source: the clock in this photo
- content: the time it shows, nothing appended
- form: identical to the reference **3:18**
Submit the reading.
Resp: **4:33**
